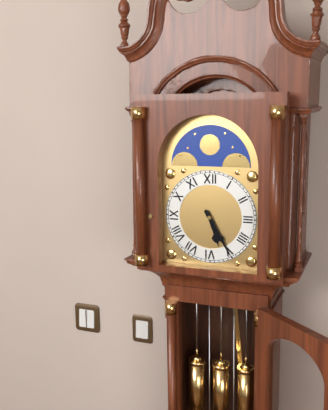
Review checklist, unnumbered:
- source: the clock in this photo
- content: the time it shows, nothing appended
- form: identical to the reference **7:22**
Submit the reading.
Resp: **5:25**
